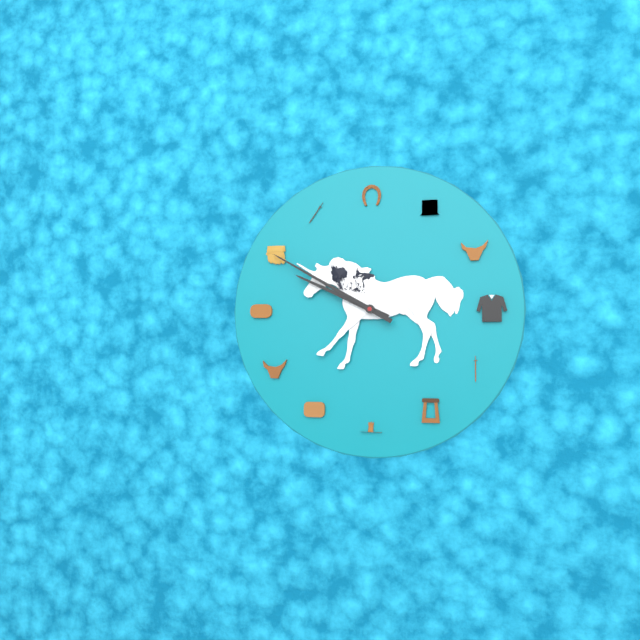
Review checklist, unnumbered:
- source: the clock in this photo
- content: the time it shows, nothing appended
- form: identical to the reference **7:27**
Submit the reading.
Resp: **9:50**
